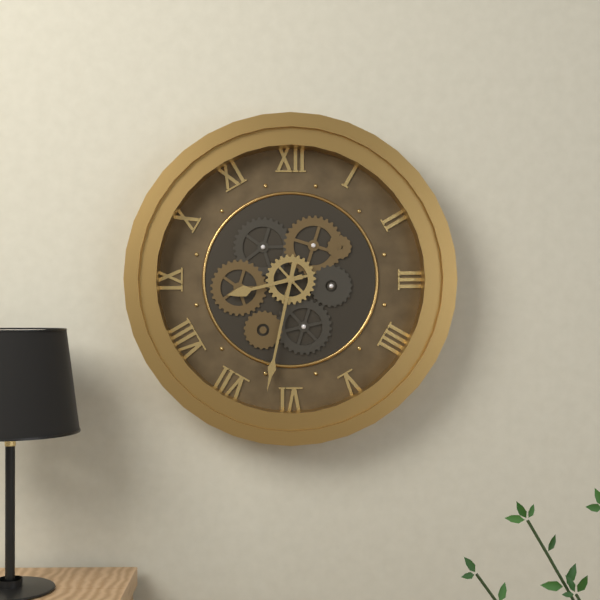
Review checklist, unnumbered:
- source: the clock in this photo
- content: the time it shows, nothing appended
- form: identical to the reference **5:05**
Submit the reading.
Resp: **8:32**
